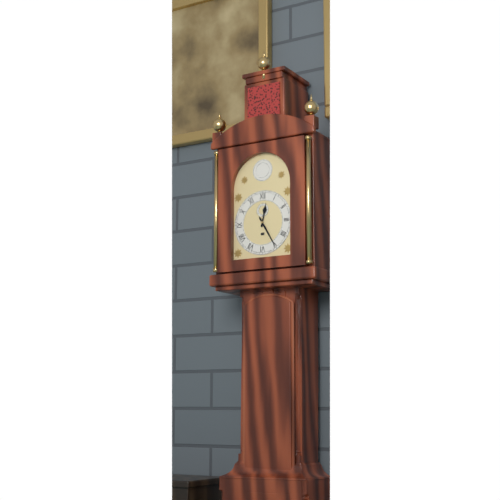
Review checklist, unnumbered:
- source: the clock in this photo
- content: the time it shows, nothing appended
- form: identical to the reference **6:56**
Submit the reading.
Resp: **12:25**
